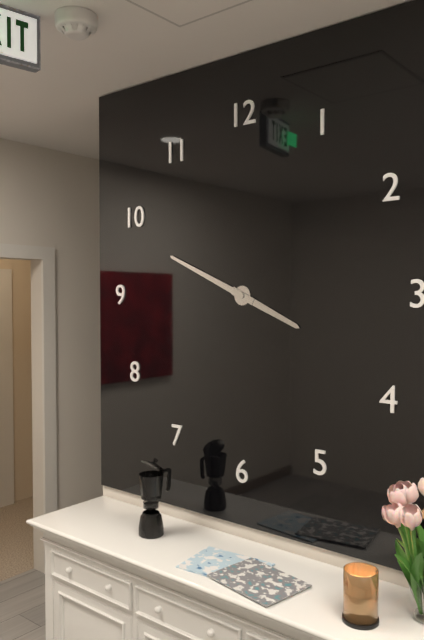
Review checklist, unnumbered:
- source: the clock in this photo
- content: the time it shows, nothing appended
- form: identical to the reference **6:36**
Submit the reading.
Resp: **3:49**
